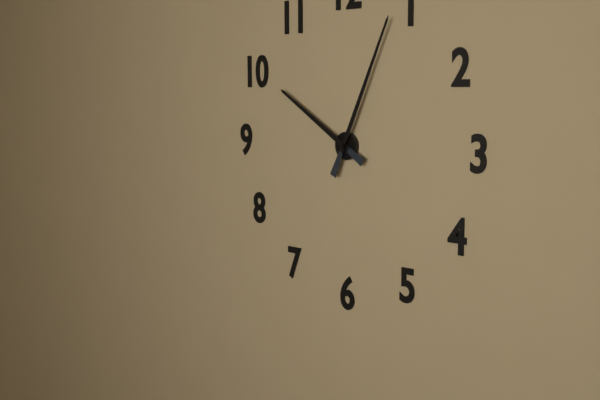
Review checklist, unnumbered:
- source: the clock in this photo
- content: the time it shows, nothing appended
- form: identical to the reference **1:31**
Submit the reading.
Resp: **10:04**
